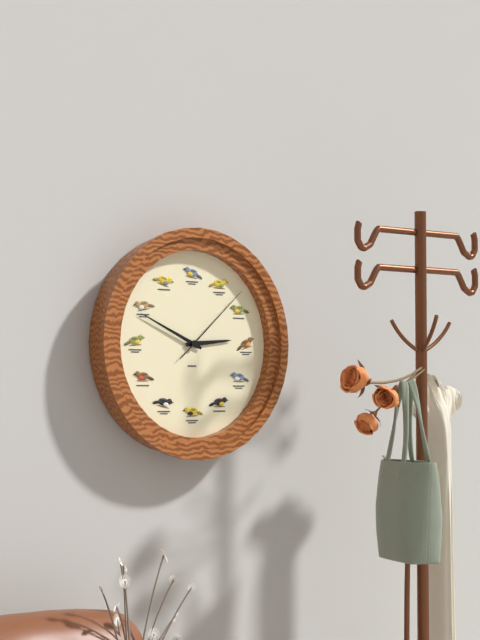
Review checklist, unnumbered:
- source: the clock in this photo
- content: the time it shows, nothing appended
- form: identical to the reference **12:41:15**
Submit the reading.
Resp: **2:49:08**
